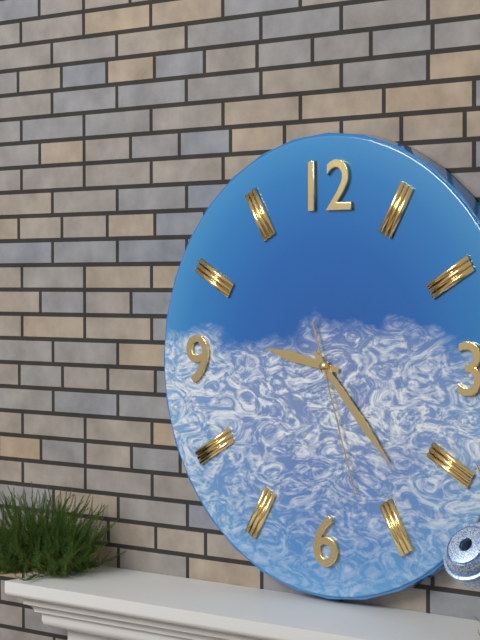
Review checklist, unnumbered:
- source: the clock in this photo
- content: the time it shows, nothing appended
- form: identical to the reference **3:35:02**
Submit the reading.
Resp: **9:23:27**
